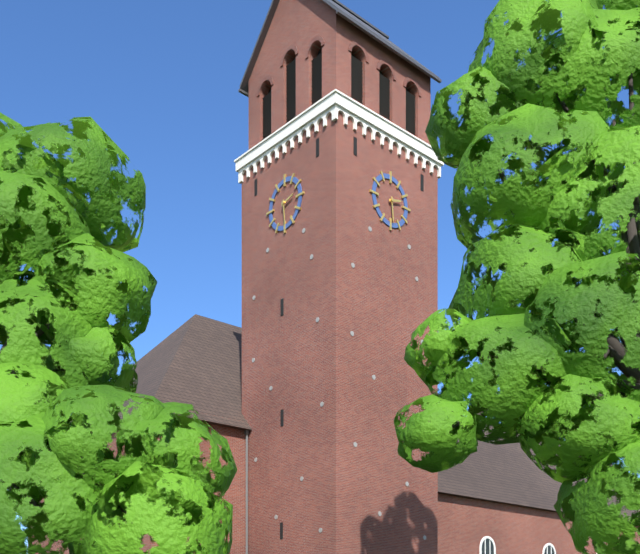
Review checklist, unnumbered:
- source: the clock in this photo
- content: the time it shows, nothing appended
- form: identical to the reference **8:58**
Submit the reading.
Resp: **2:29**
